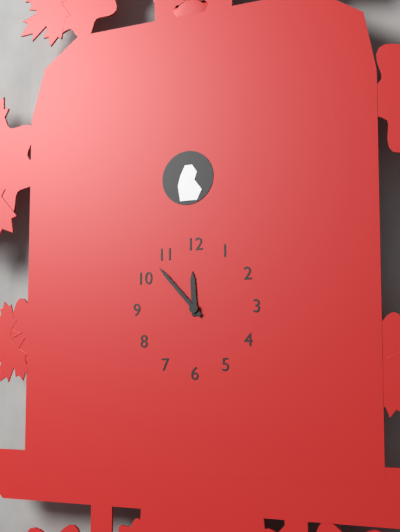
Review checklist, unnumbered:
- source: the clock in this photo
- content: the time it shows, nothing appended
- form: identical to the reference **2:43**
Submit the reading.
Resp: **11:53**
